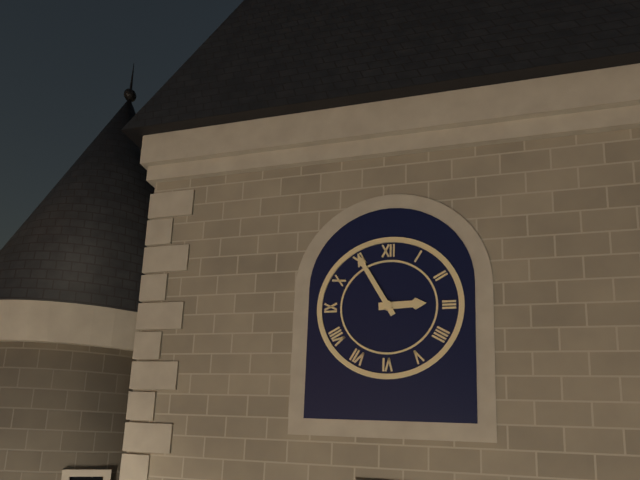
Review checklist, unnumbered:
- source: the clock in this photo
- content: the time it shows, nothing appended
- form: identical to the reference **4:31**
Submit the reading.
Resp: **2:55**
